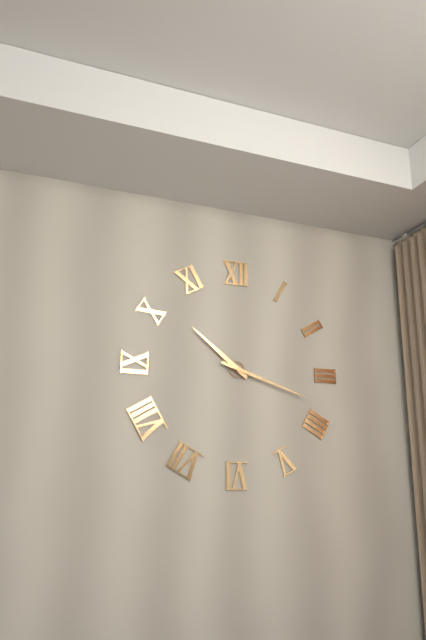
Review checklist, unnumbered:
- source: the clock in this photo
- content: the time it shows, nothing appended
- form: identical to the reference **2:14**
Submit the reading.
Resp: **10:18**
